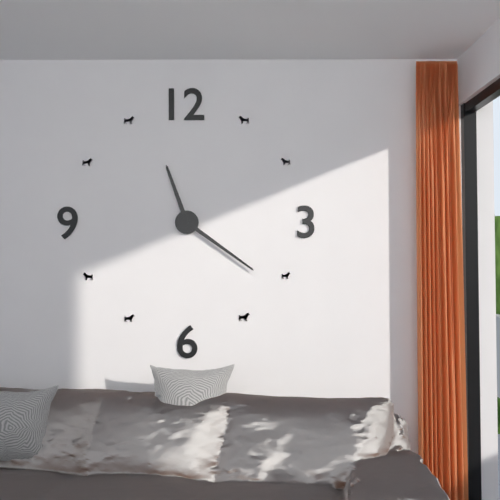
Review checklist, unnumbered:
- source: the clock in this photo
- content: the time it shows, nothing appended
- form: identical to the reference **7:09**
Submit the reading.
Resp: **11:21**
